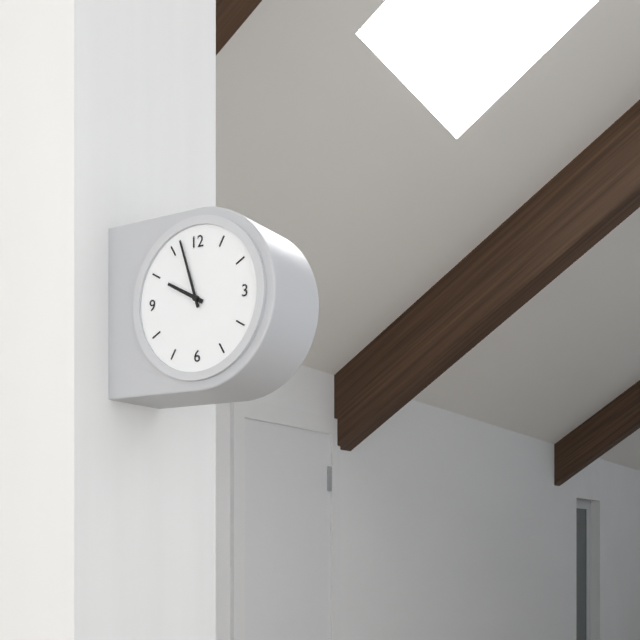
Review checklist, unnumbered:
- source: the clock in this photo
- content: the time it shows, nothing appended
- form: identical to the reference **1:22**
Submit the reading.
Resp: **9:57**
